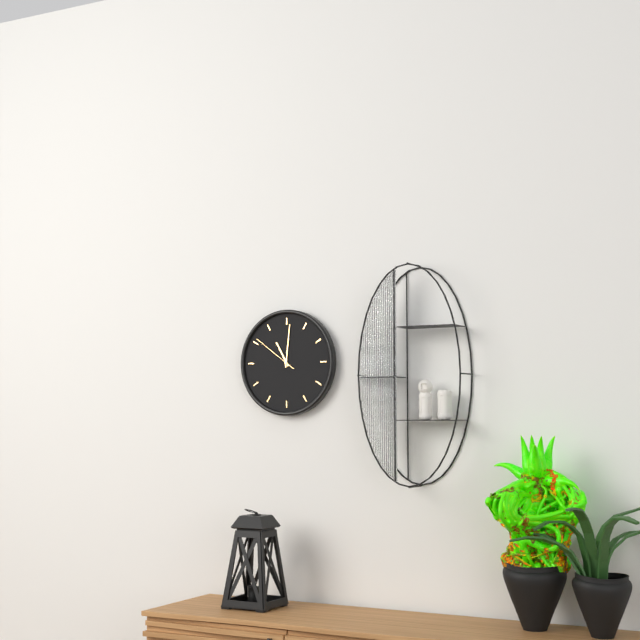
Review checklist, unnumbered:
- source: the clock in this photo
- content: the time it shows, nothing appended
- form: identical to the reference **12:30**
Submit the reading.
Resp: **11:01**
